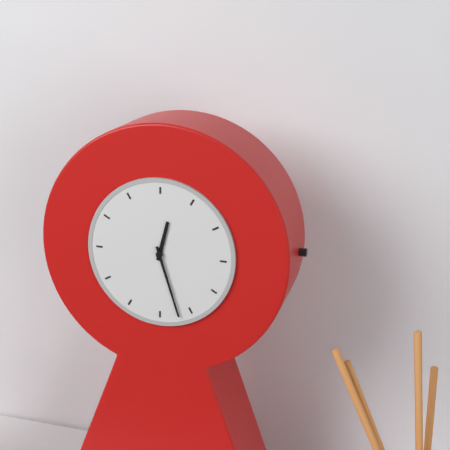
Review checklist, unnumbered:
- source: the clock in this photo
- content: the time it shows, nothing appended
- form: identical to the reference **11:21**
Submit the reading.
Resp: **12:27**
